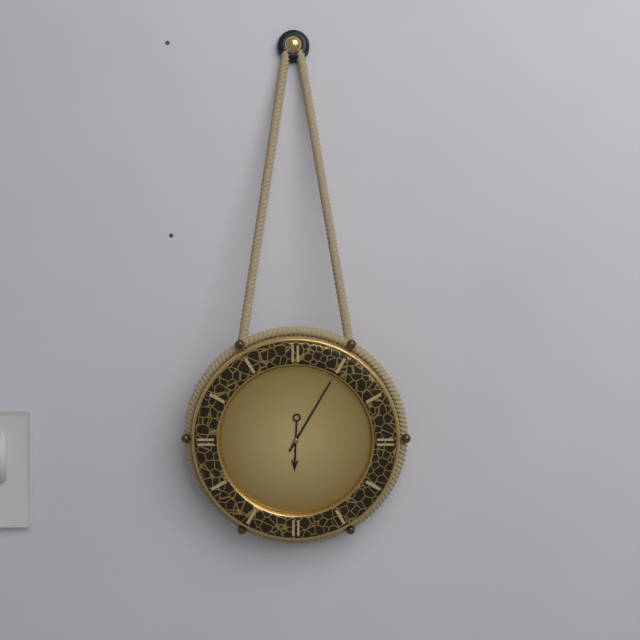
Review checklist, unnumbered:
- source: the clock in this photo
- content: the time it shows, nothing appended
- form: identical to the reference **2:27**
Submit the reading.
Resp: **6:05**
